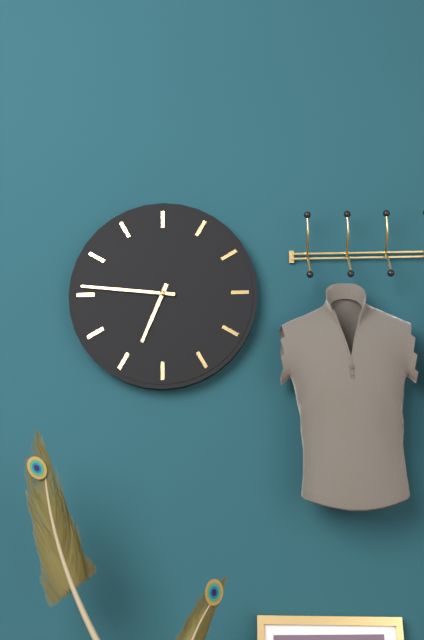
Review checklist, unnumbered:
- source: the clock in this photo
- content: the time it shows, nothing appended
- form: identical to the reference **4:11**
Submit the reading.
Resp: **6:46**
